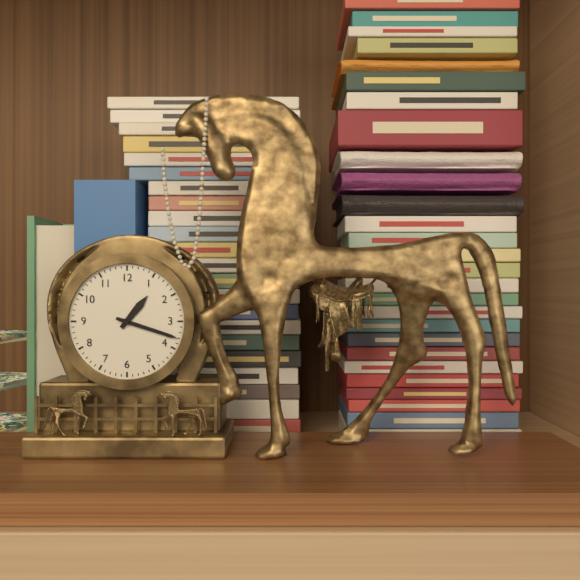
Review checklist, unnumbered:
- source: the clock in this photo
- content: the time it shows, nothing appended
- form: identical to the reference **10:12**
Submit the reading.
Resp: **1:18**
